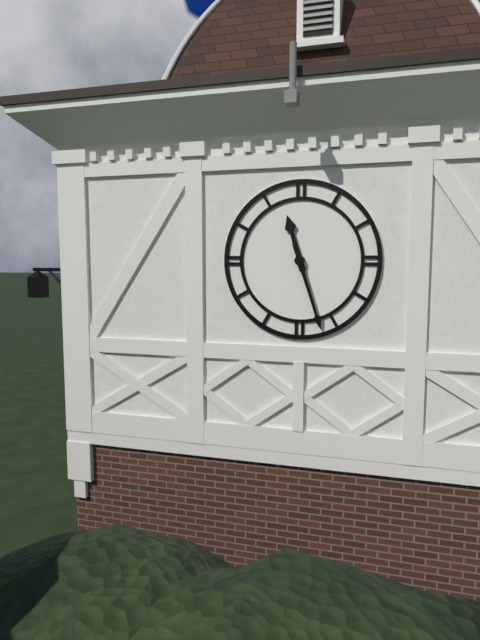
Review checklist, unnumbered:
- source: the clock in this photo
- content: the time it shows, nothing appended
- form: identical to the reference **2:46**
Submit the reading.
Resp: **11:27**
